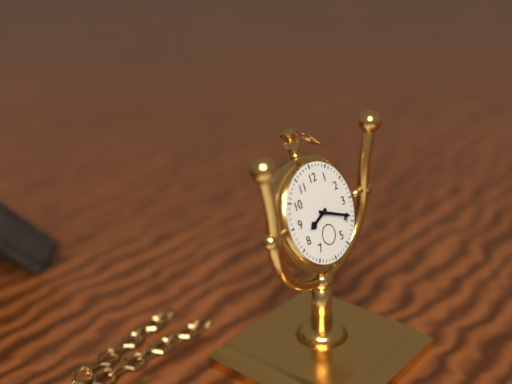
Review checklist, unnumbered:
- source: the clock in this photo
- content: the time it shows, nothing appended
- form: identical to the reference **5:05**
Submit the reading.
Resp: **8:19**
